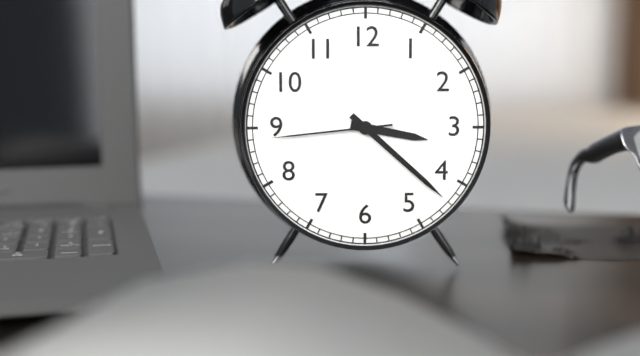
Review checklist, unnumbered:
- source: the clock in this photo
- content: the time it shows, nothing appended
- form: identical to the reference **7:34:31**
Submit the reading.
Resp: **3:22:44**
